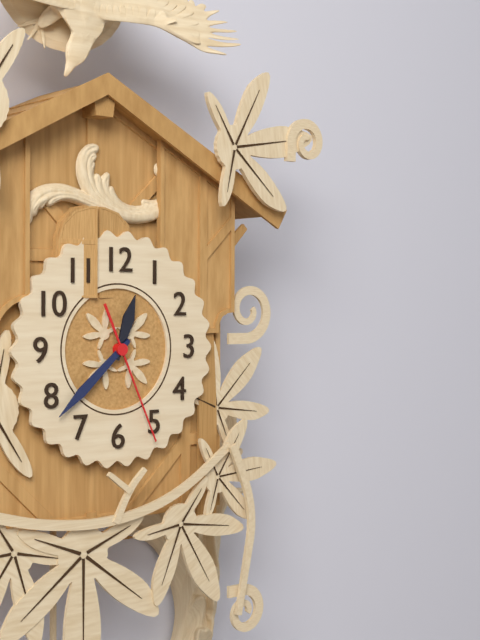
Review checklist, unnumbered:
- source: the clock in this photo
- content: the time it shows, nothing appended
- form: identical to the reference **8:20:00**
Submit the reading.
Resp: **12:38:26**
